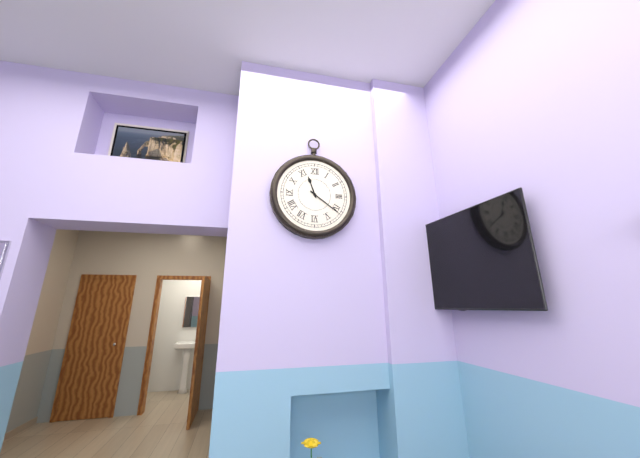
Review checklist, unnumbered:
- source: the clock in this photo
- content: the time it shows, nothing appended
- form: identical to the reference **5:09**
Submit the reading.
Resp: **11:21**
